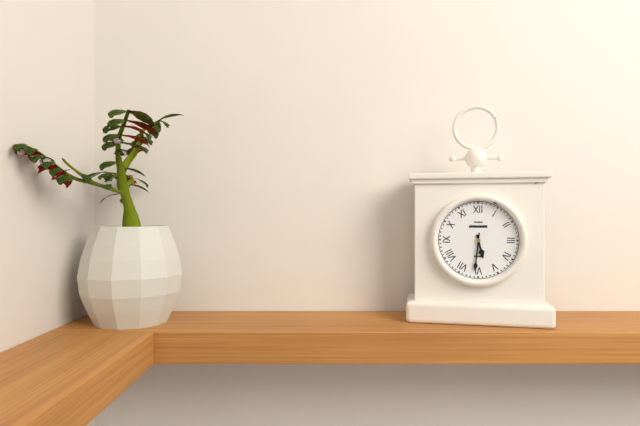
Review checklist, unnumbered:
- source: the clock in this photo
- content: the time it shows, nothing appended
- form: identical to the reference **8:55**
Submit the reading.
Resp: **5:31**
